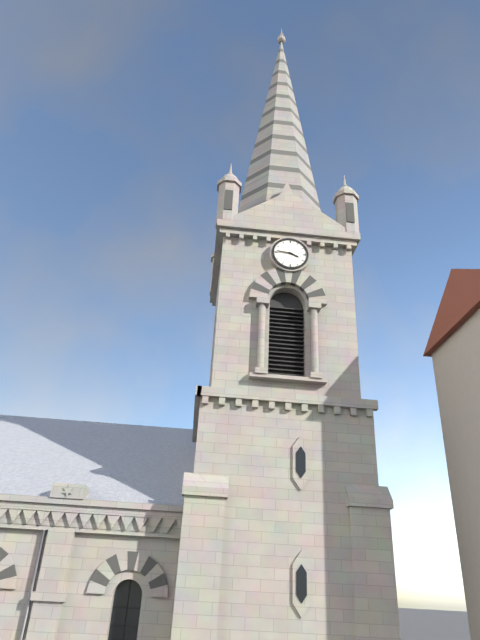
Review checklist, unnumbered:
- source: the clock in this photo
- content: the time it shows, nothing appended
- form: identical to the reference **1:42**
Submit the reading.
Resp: **3:46**
